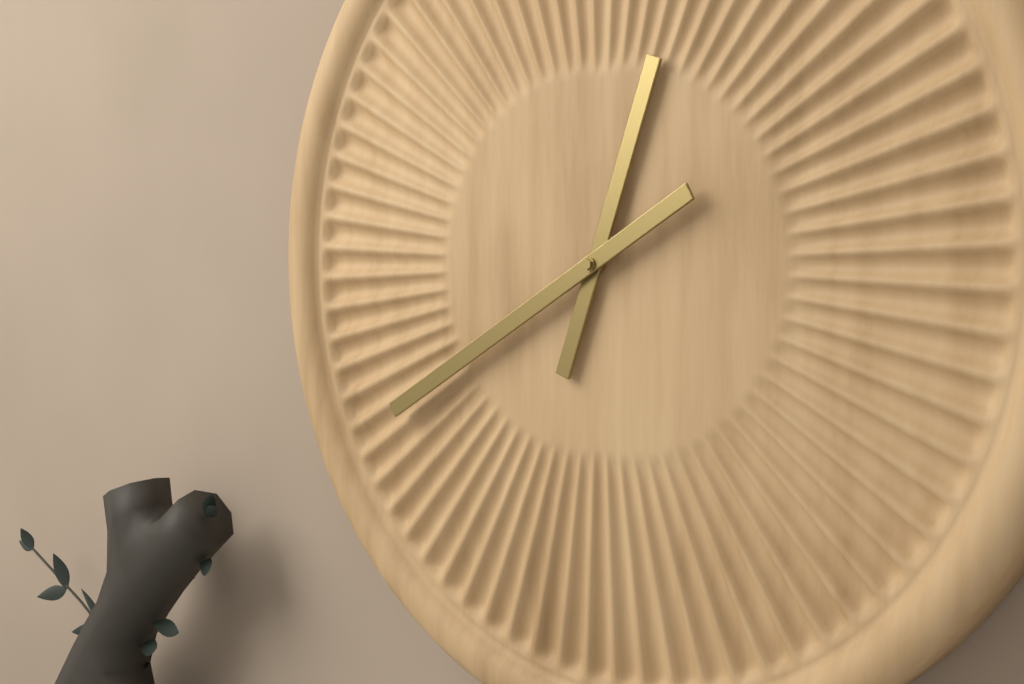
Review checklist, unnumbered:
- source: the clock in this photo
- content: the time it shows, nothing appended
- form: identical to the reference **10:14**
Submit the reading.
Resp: **12:40**
